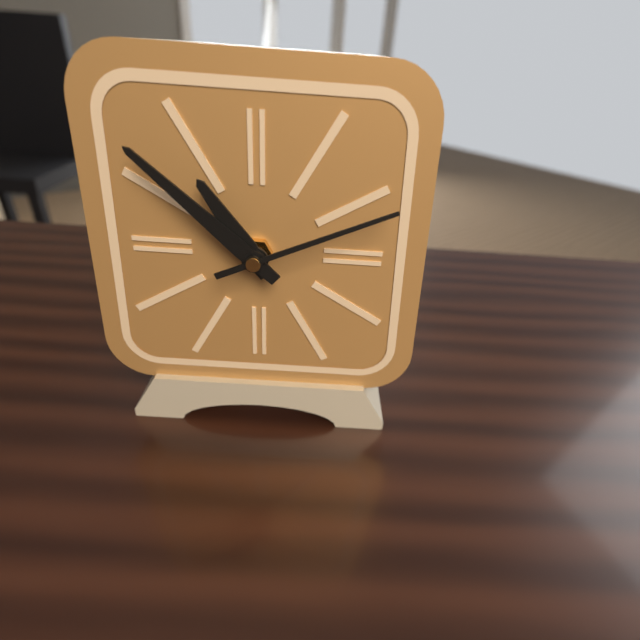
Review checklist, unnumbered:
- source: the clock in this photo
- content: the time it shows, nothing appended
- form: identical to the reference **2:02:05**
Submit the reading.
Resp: **10:52:11**
